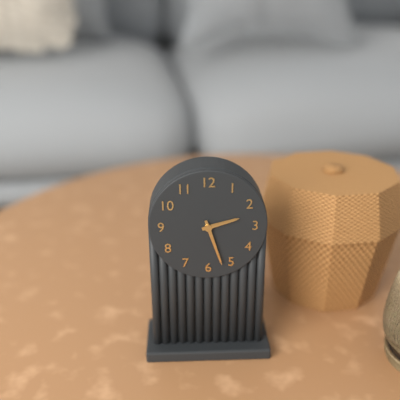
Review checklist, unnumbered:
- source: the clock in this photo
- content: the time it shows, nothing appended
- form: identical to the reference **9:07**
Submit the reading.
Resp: **2:27**
